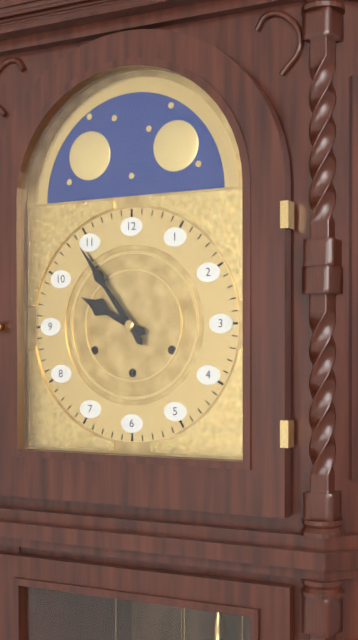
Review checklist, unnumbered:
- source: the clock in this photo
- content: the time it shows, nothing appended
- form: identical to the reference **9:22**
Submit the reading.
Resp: **9:54**
